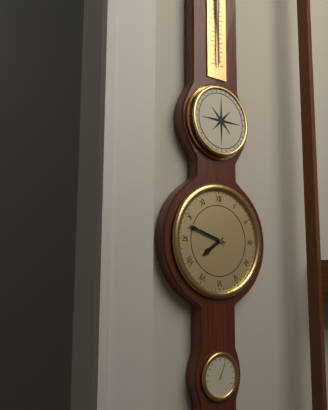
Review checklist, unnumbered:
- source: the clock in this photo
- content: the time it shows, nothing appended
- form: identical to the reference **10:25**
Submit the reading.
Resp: **7:48**
